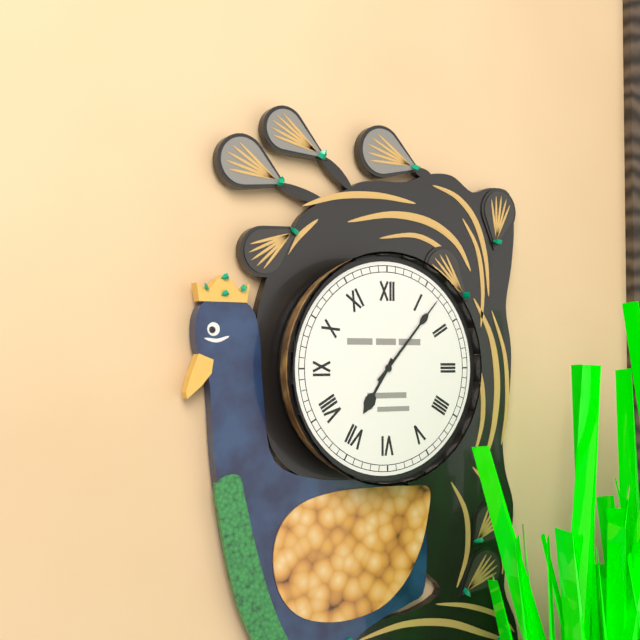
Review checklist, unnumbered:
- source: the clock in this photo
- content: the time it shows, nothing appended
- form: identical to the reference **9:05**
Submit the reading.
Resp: **7:07**
